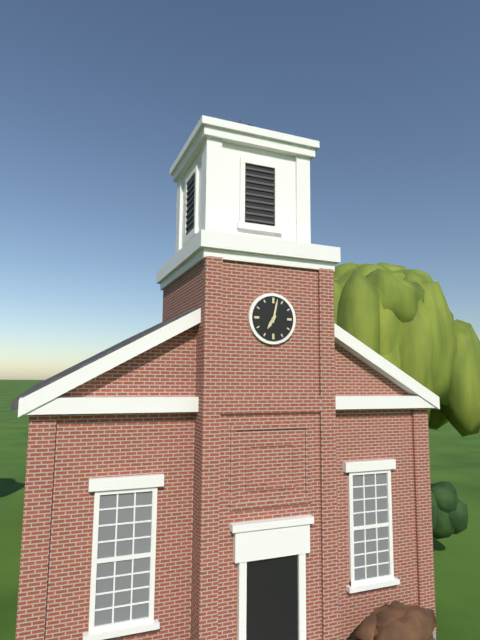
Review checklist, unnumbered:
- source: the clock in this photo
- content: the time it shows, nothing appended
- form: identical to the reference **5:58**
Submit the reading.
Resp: **7:02**
